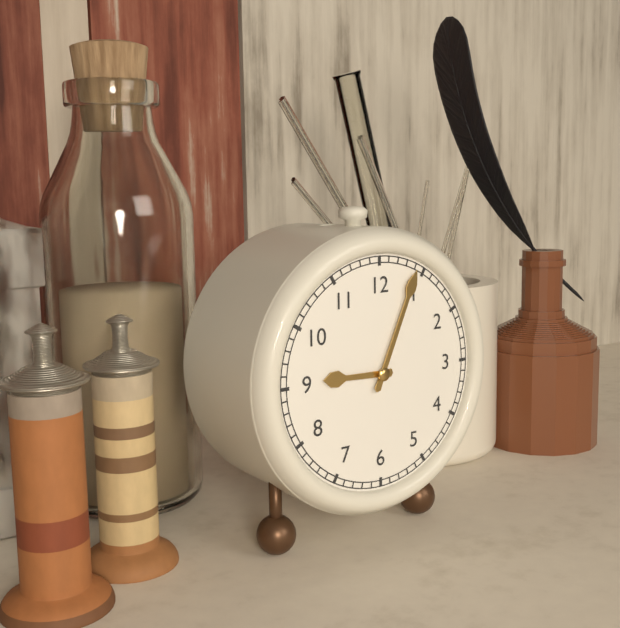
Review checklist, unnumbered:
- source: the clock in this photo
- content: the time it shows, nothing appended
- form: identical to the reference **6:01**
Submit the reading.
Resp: **9:04**
